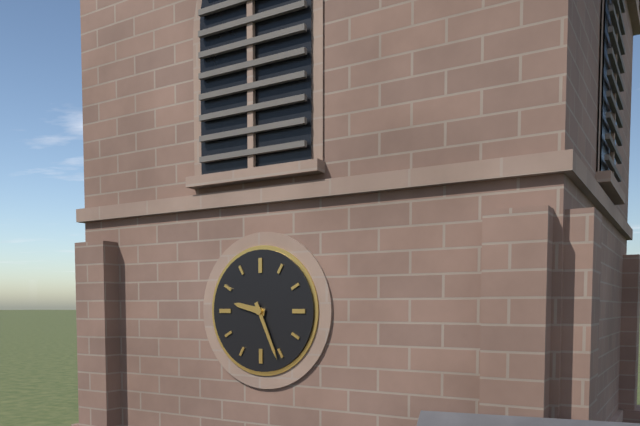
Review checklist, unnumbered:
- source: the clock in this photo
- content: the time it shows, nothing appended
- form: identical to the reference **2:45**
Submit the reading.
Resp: **9:26**
